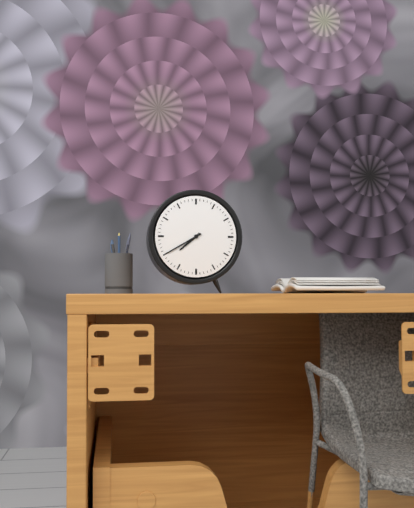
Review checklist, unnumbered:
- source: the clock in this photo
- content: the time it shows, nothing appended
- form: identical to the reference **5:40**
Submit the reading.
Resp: **7:40**
